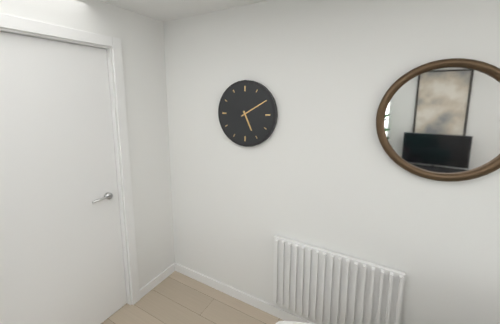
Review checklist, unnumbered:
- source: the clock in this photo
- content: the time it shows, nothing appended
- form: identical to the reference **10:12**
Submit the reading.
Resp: **5:10**
